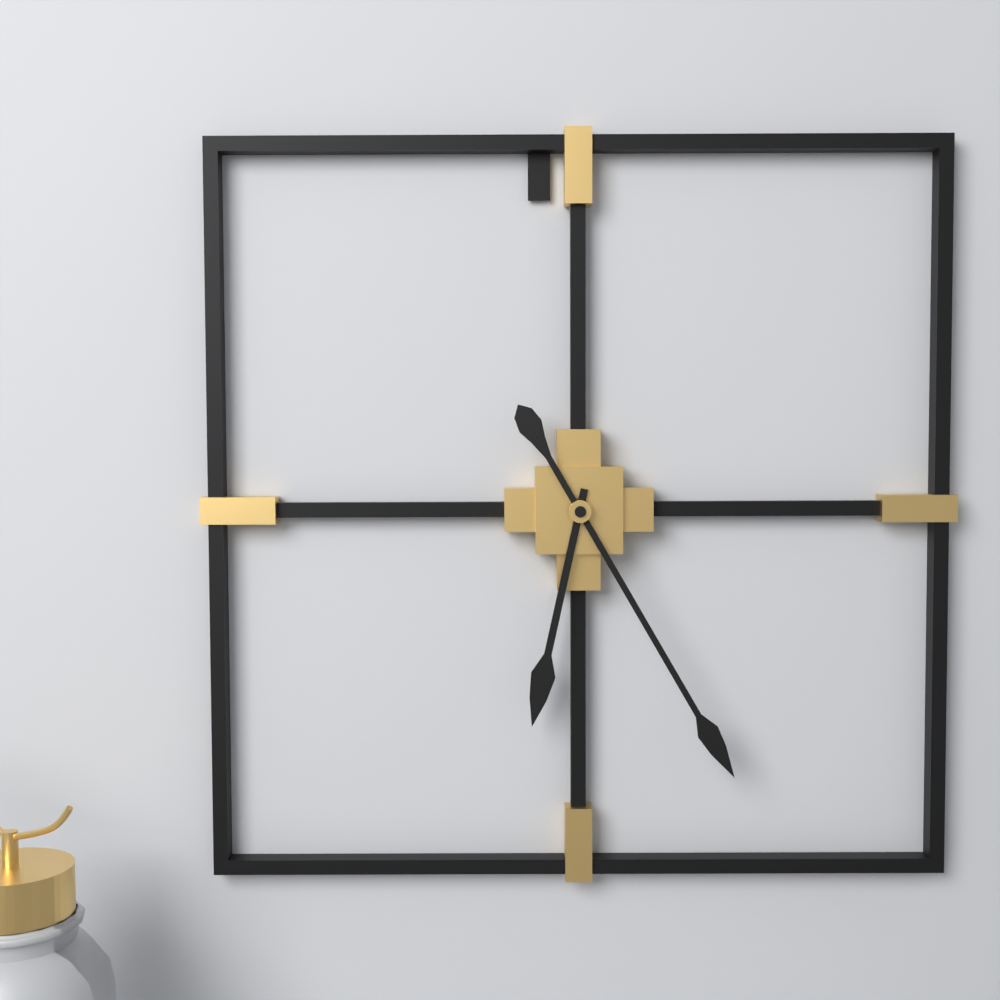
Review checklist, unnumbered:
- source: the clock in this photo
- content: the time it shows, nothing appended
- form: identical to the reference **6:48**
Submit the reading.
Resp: **6:25**
